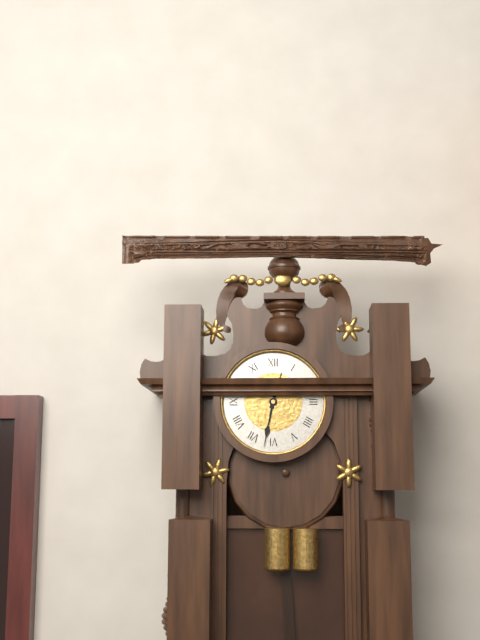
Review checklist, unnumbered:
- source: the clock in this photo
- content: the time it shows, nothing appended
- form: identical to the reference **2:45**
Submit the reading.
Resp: **12:32**
